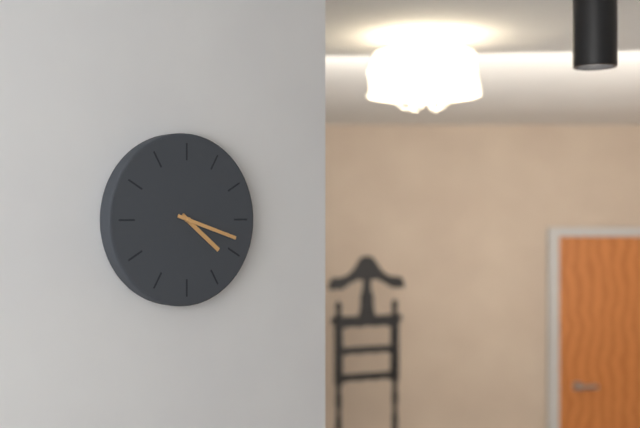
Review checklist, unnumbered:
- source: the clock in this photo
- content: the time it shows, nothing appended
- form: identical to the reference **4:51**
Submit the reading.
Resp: **4:18**
